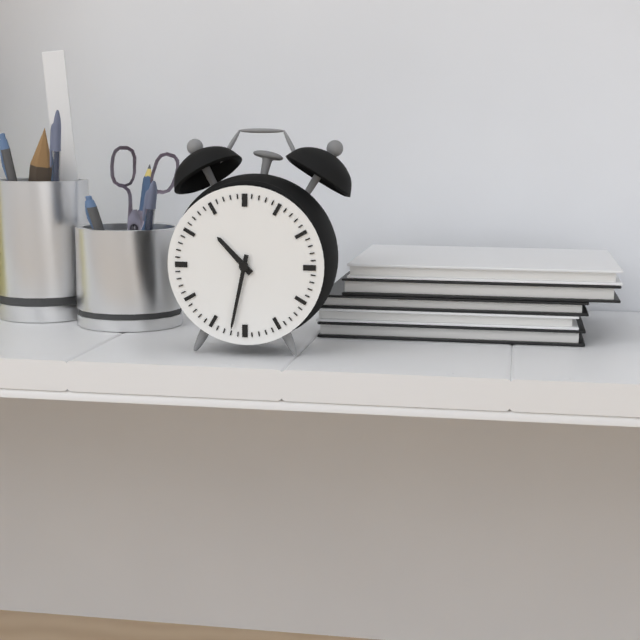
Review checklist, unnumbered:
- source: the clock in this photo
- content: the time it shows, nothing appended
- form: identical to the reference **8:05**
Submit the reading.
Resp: **10:32**
